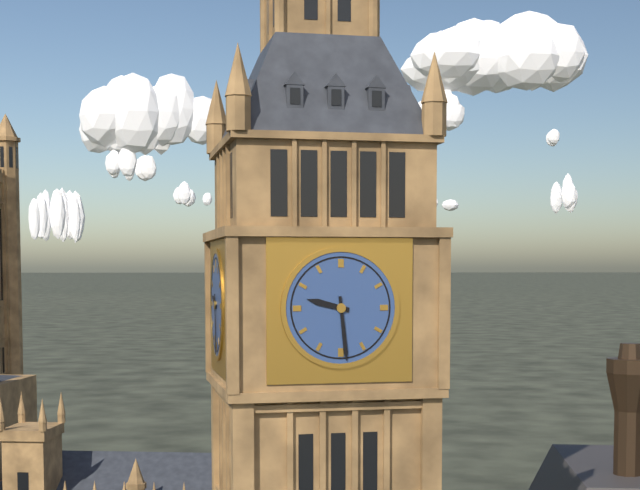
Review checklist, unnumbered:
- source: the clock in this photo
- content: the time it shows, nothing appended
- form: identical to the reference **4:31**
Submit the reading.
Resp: **9:29**
